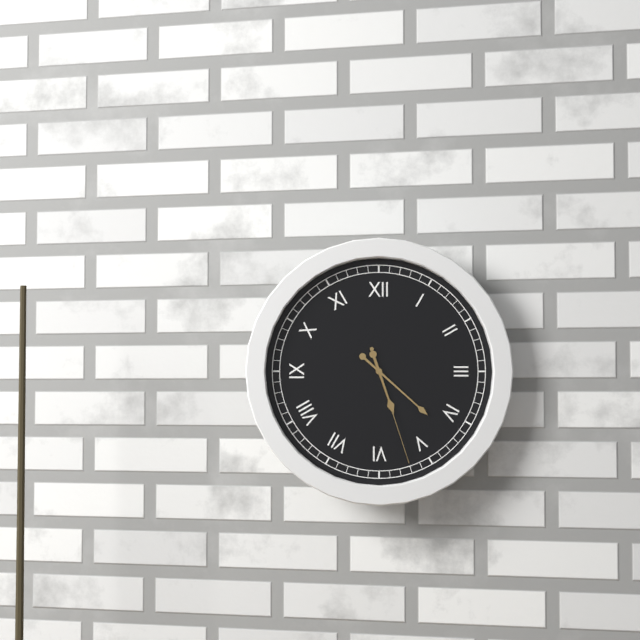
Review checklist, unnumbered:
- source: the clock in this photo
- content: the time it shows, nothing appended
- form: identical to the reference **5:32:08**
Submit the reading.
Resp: **5:22:27**
